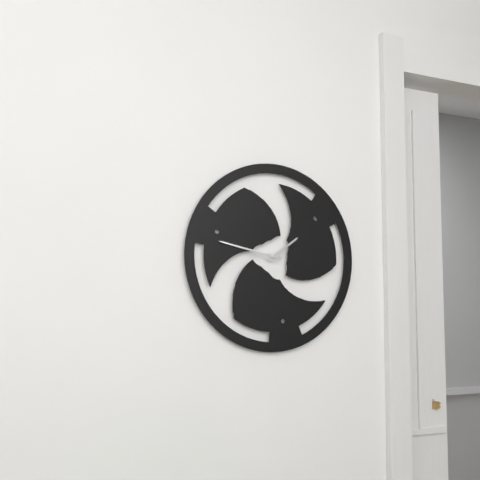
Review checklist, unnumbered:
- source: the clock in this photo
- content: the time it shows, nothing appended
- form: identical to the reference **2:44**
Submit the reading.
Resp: **1:47**
